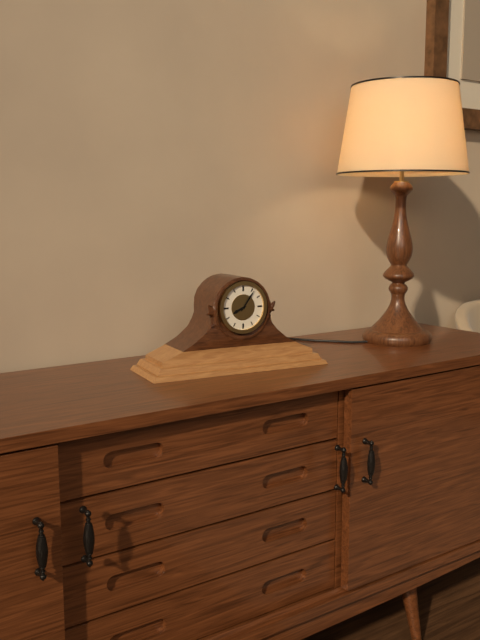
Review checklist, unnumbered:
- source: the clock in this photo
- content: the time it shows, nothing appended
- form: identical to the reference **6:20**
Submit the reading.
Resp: **8:06**
